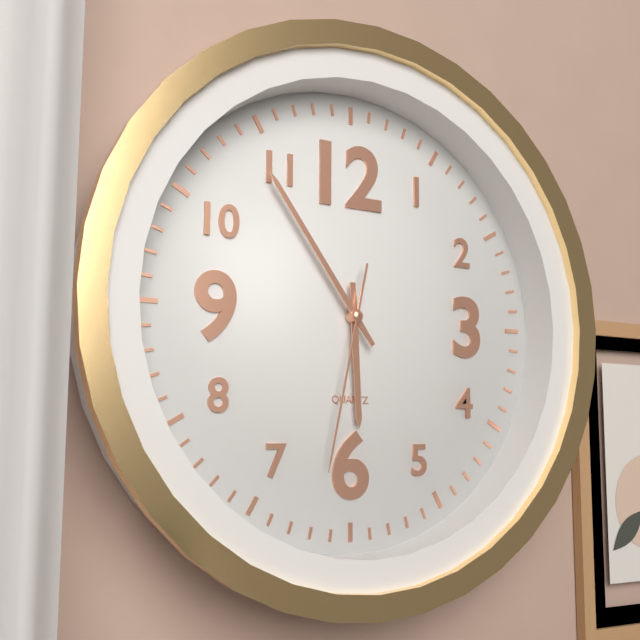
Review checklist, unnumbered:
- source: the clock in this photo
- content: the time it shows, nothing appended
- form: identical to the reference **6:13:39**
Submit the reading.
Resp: **5:54:32**
